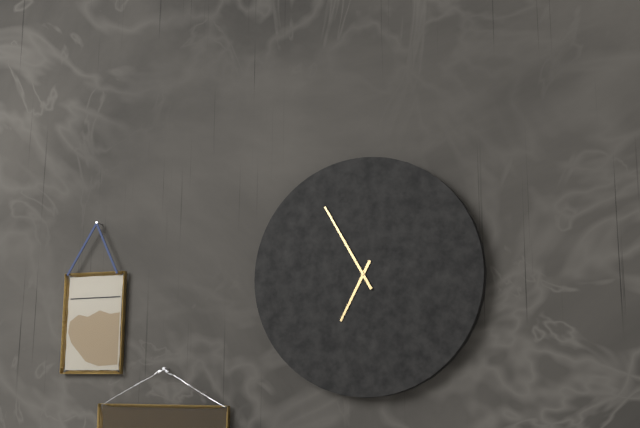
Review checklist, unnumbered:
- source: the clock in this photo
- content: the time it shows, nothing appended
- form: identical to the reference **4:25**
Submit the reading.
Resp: **6:55**
